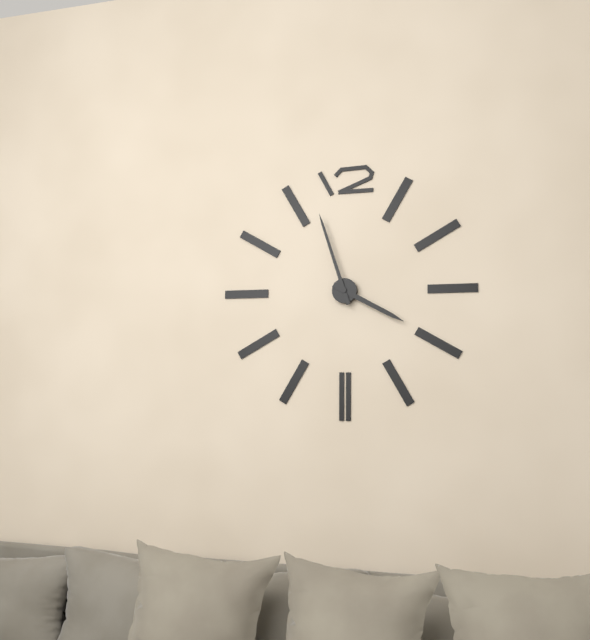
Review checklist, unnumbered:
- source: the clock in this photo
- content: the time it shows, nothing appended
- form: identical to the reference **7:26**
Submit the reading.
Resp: **3:57**
